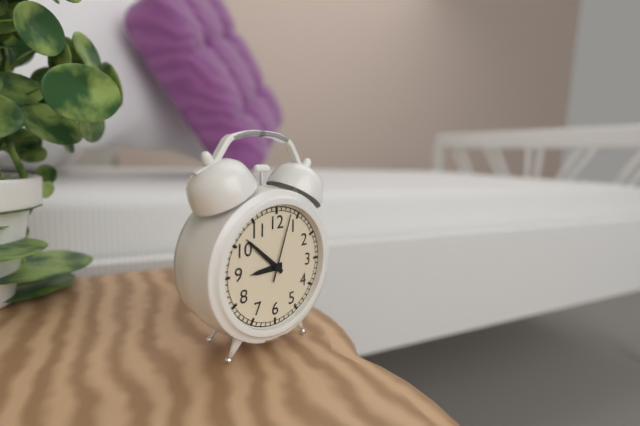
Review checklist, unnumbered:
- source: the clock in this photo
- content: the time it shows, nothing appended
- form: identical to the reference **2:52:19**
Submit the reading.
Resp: **8:52:03**
